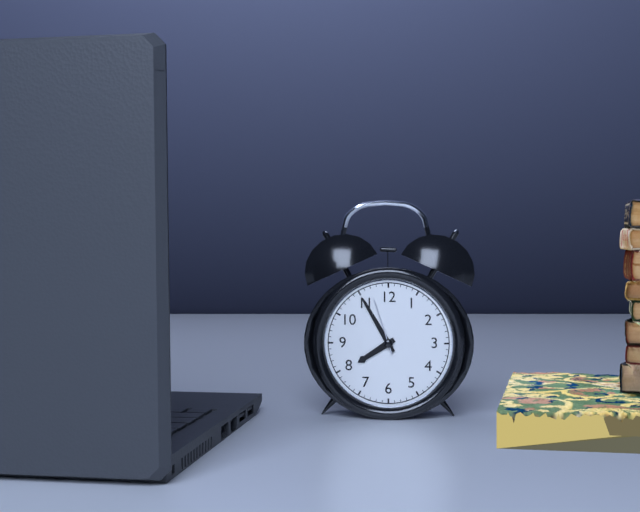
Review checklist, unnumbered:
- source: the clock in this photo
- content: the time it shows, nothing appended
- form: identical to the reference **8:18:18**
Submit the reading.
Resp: **7:55:57**
